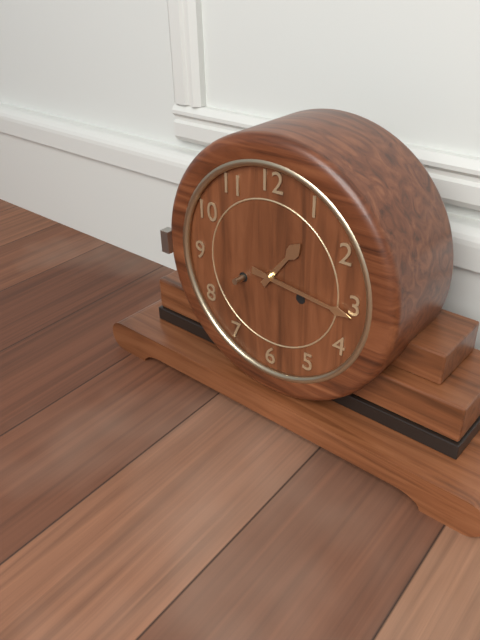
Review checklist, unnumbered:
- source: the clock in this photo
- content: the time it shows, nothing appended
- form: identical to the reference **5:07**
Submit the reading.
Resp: **1:16**
